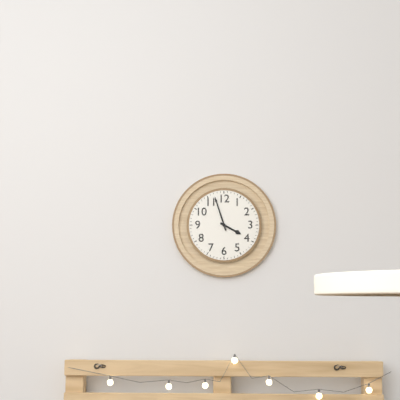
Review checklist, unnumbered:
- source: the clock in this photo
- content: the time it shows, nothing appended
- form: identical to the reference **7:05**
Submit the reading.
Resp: **3:57**
